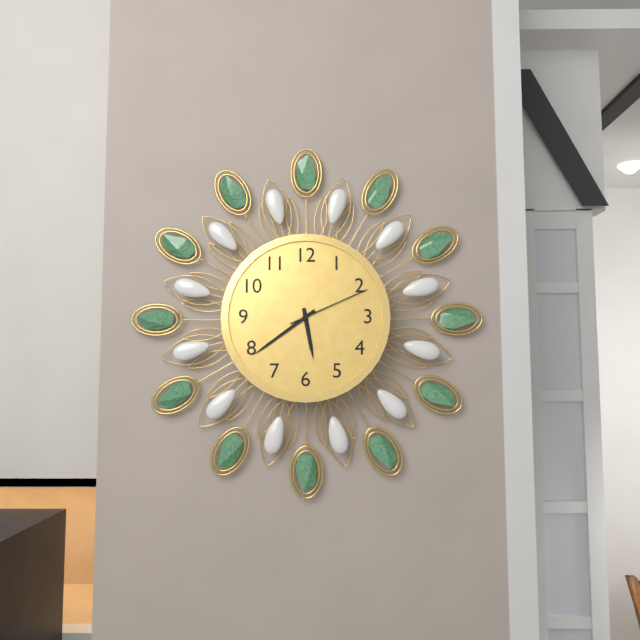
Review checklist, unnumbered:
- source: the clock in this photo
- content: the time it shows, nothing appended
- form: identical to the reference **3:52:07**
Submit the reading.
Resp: **5:39:11**
